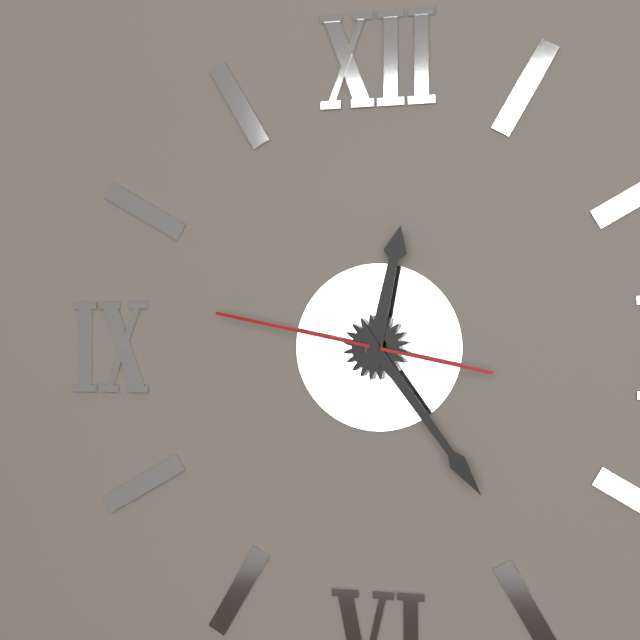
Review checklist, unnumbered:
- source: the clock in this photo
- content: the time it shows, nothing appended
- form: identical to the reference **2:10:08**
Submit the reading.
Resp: **12:24:47**
